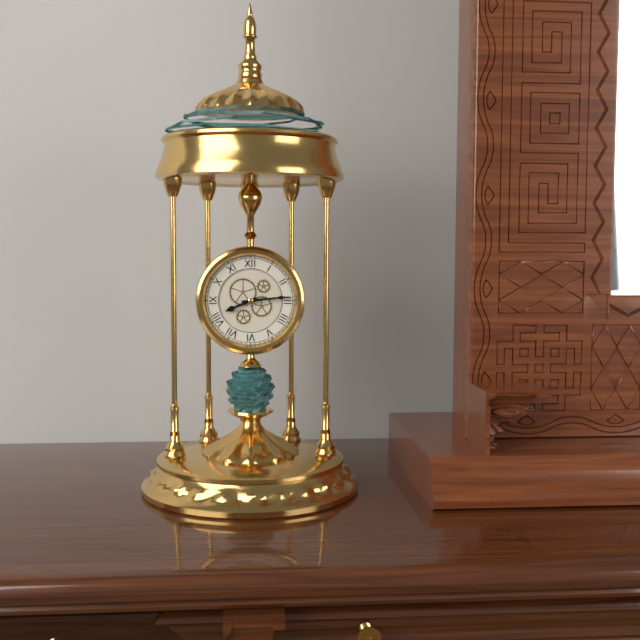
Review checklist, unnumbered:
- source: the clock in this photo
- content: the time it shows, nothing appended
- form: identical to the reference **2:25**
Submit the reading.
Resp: **8:14**
